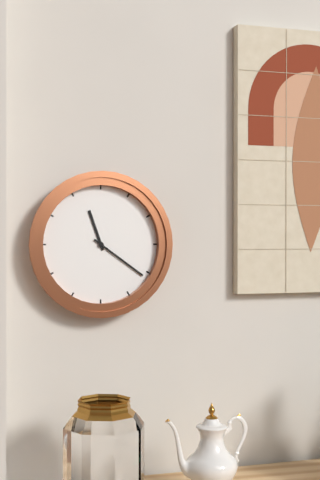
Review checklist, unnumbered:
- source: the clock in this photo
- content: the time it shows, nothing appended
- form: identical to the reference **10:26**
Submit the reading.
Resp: **11:21**
